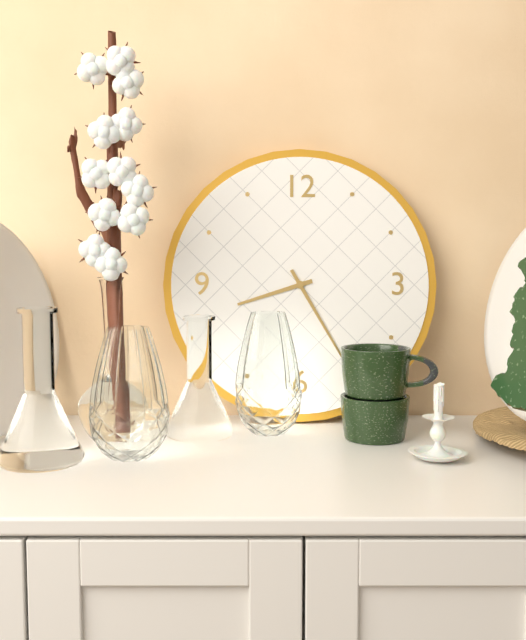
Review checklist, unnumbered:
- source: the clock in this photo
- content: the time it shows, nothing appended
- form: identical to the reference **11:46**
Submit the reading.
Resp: **8:25**
